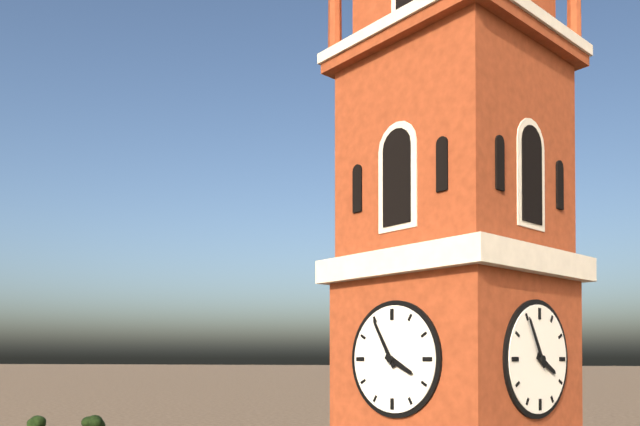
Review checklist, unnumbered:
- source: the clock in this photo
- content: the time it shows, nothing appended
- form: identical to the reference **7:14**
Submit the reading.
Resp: **3:55**
